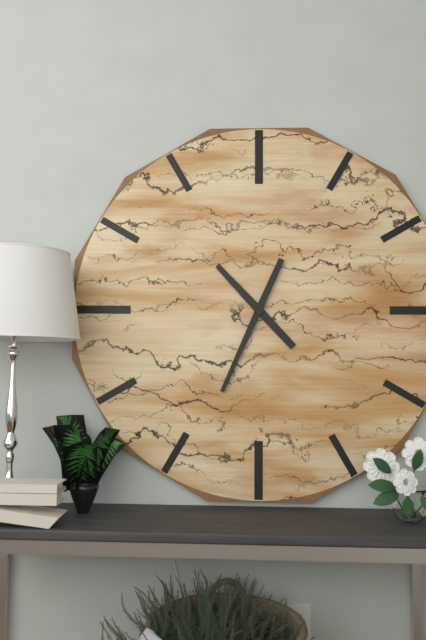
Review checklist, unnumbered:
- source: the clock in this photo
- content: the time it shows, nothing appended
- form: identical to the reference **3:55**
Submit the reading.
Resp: **10:34**
